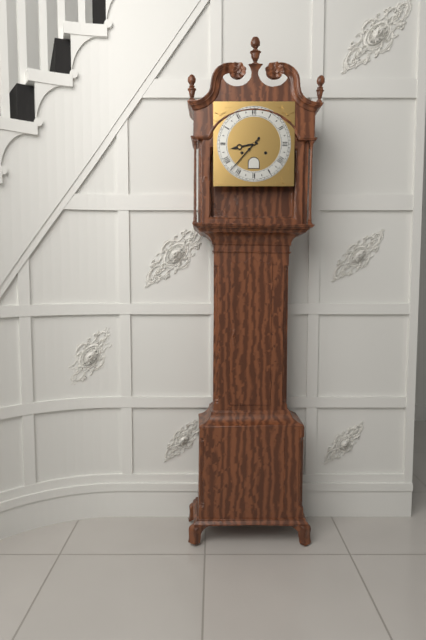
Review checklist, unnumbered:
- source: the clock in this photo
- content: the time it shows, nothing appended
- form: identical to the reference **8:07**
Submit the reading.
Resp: **8:37**
